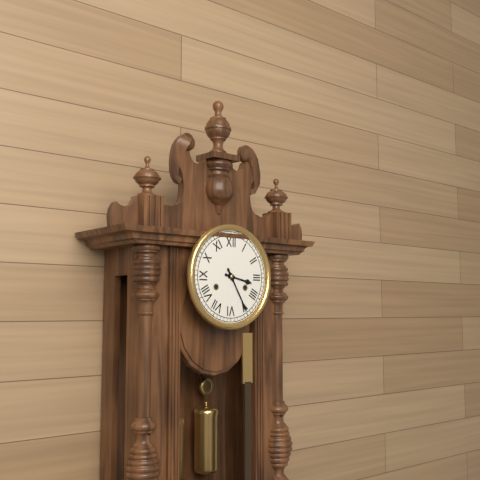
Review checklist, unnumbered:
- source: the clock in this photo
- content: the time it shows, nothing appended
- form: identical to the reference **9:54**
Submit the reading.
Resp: **3:25**
